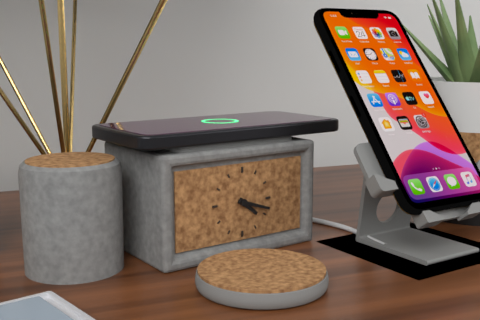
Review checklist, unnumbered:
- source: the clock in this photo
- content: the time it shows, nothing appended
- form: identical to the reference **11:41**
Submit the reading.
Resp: **4:18**
